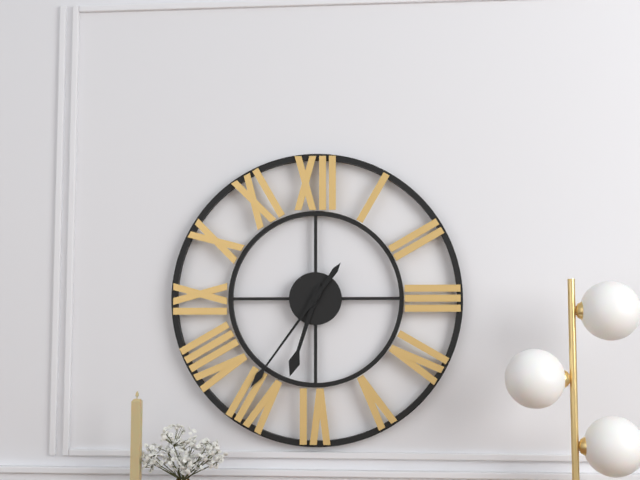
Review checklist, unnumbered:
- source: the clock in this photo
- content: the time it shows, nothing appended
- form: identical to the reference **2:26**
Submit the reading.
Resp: **6:36**
